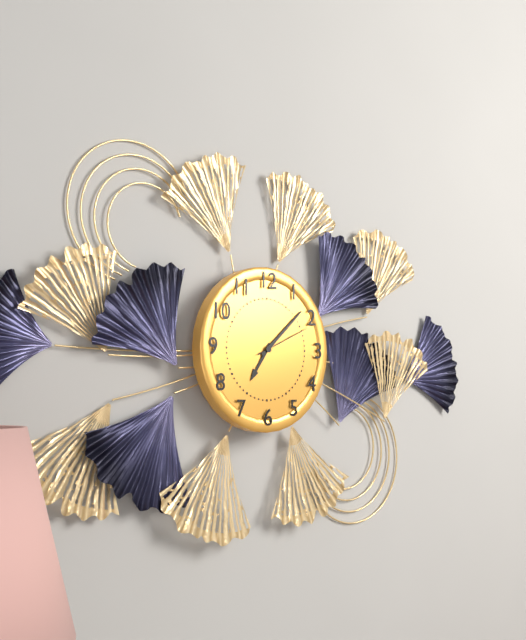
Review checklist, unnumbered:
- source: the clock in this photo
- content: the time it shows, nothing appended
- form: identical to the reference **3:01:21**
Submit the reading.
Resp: **7:08:11**
